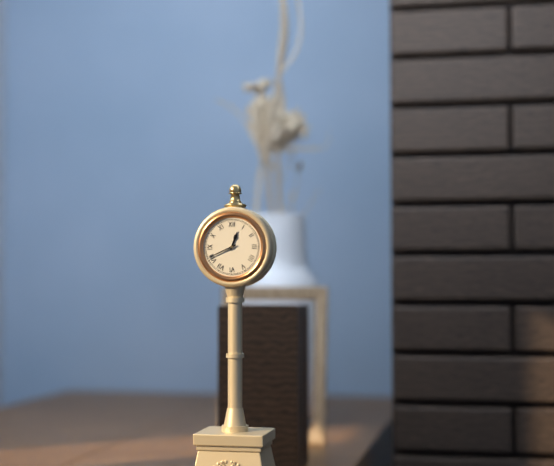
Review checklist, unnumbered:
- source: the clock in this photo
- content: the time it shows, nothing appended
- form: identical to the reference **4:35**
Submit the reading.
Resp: **12:41**
